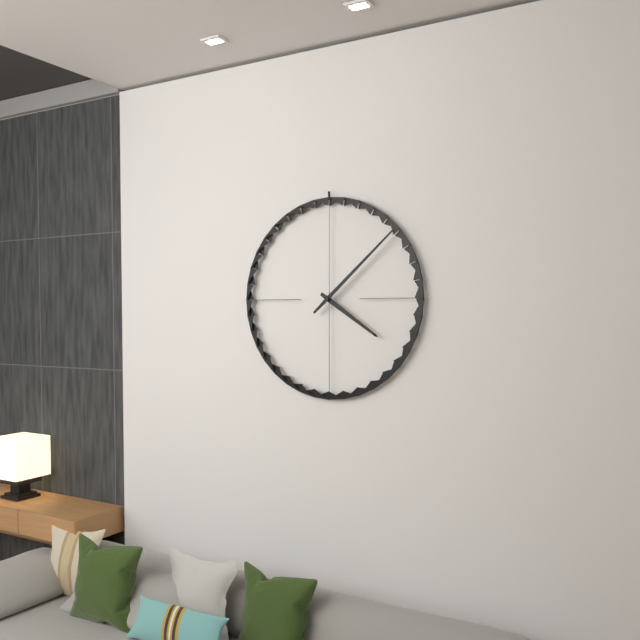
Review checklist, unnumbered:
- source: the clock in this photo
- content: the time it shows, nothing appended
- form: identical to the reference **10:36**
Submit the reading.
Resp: **4:08**
